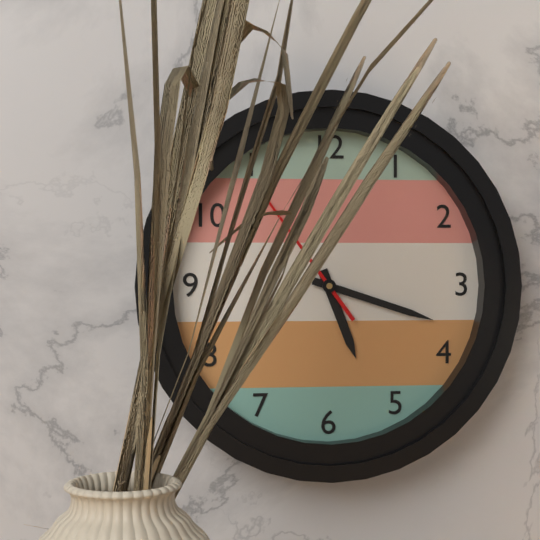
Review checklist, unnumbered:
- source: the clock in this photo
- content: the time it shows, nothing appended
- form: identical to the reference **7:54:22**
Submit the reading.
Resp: **5:18:54**
